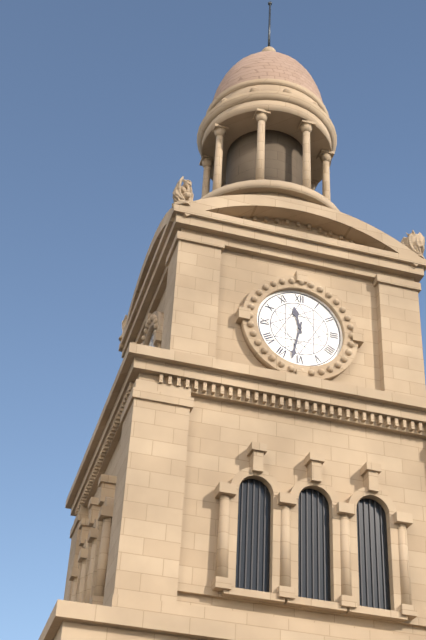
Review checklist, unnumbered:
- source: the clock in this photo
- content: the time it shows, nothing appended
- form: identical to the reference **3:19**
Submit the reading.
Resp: **11:32**
